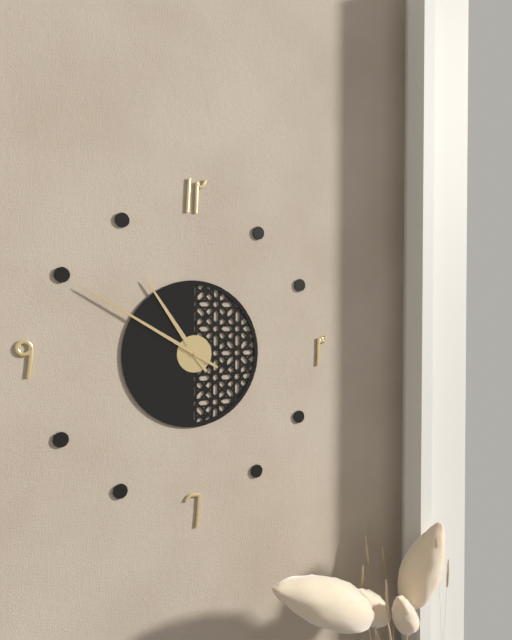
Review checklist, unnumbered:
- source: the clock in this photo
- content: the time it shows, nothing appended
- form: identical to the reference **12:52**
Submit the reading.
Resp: **10:50**
